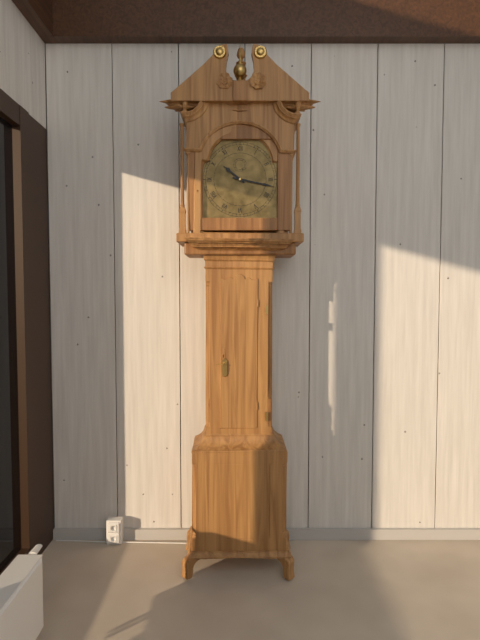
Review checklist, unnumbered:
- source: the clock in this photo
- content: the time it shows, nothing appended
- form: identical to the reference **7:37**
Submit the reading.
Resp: **10:17**
